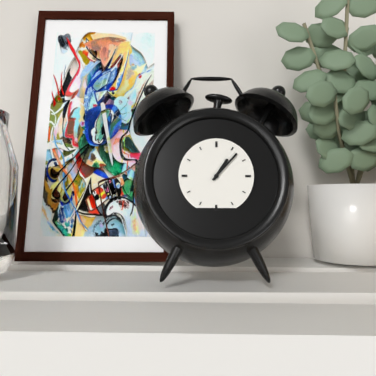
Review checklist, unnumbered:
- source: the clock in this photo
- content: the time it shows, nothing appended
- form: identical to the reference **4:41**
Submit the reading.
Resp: **1:07**
